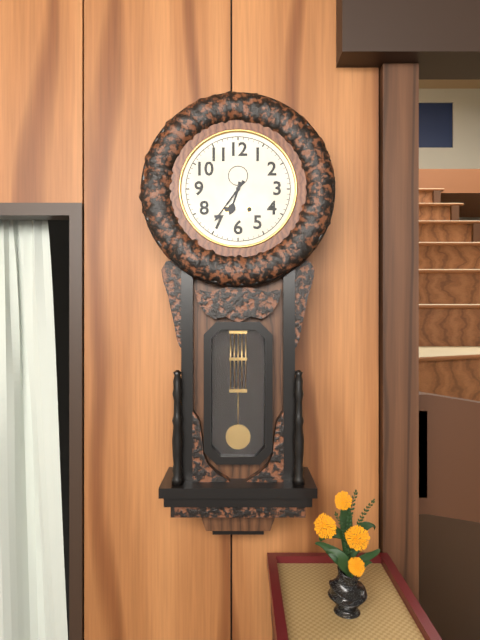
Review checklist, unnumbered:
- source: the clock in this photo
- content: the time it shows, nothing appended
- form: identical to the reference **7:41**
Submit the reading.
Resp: **6:36**
